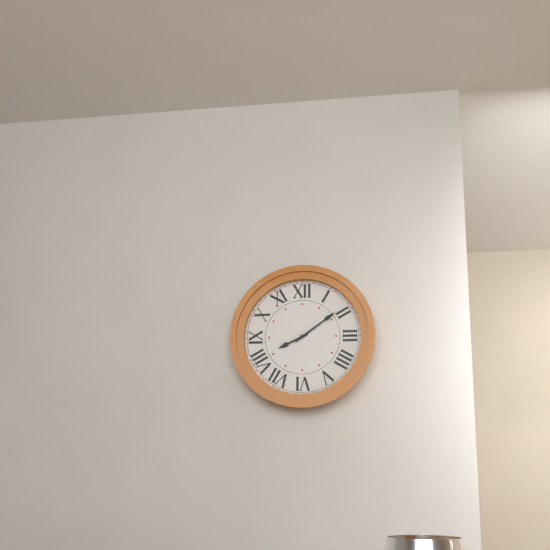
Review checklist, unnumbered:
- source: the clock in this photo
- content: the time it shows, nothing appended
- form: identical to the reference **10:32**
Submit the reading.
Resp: **8:09**
